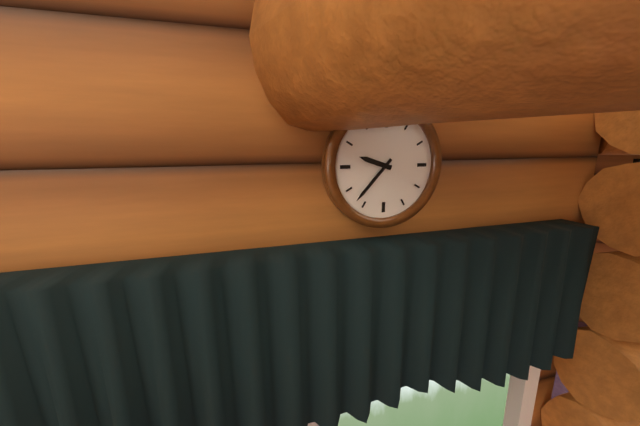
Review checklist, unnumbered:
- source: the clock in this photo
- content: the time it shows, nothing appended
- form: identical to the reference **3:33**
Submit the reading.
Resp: **9:37**
